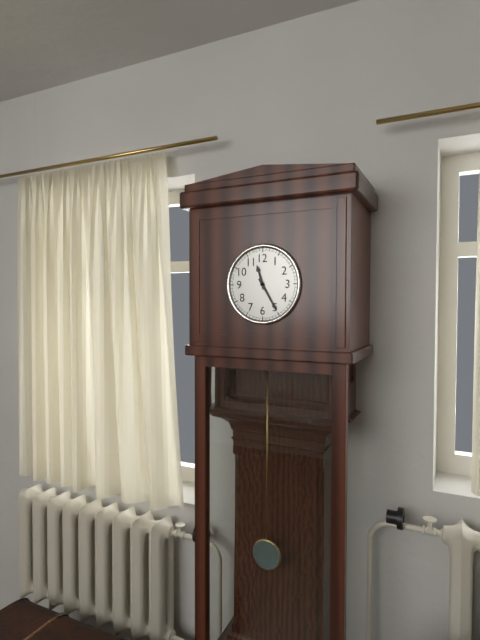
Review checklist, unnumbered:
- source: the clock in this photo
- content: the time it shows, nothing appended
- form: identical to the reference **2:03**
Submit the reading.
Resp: **11:25**
